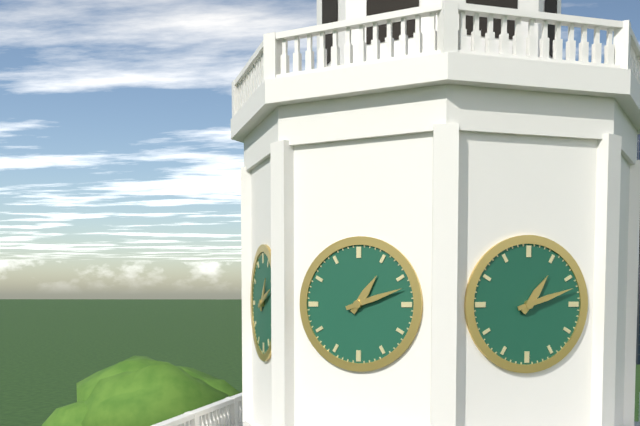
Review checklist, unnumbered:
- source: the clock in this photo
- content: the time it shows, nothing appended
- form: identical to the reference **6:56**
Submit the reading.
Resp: **1:12**
